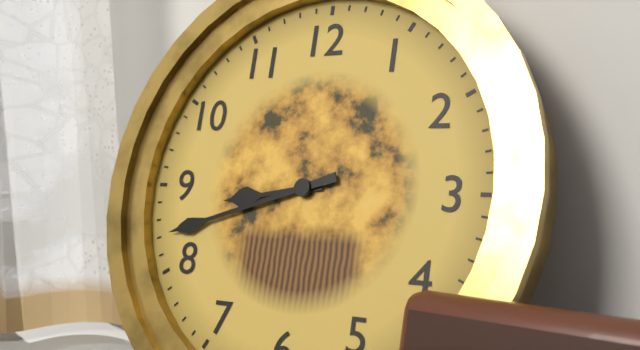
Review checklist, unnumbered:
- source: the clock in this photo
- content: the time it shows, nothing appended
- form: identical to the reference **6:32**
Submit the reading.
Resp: **8:42**
